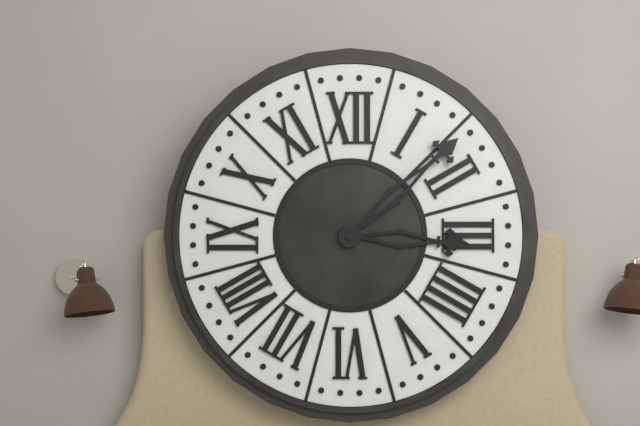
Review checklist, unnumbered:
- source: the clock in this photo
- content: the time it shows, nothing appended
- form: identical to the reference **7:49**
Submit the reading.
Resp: **3:08**
